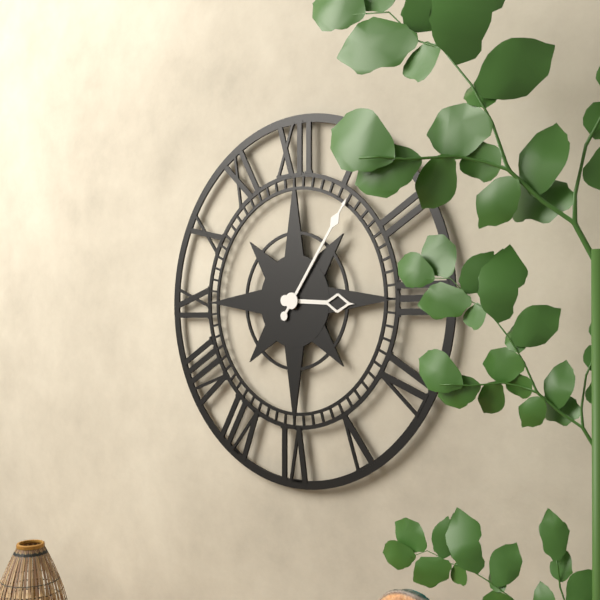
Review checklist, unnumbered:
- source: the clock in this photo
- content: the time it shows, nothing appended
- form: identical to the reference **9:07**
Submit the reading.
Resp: **3:06**
